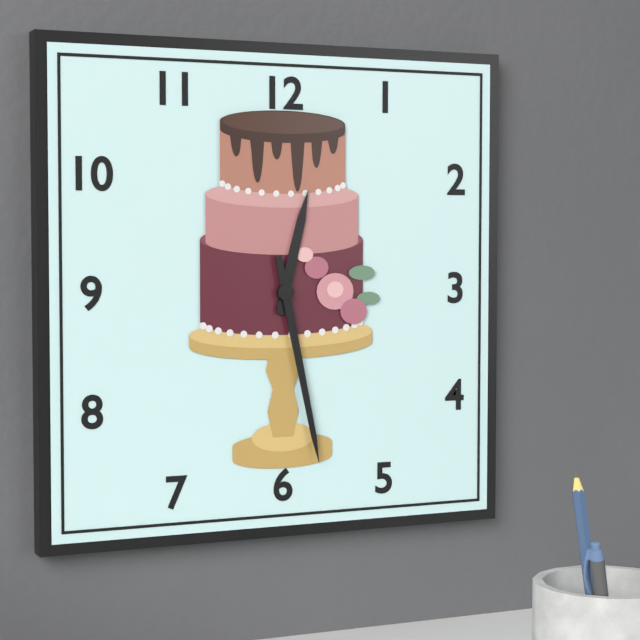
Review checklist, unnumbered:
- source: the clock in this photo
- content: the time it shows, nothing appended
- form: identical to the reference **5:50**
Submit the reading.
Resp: **12:28**
